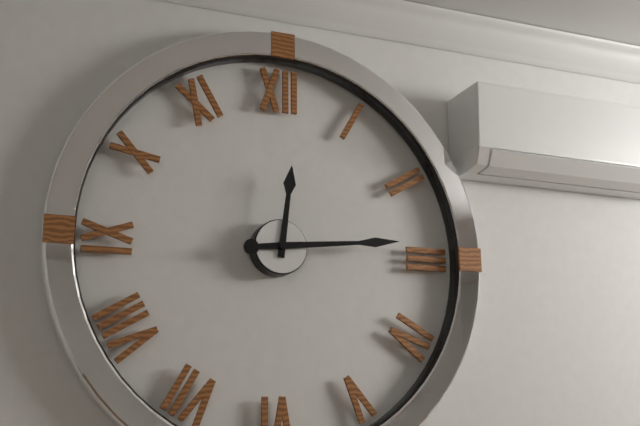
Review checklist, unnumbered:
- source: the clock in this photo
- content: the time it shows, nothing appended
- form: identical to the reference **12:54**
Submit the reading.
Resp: **12:14**
